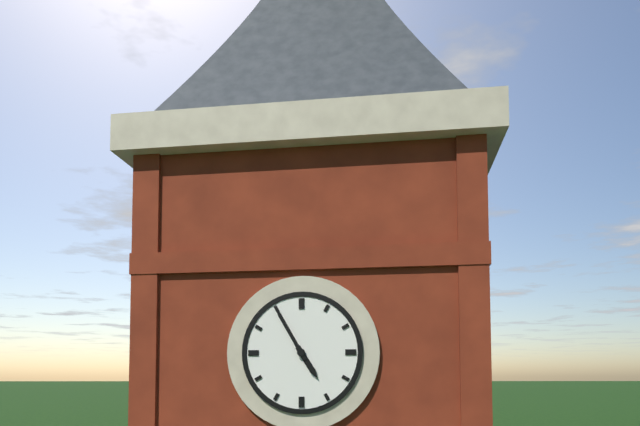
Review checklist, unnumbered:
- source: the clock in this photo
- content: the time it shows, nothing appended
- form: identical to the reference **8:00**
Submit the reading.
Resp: **4:55**
